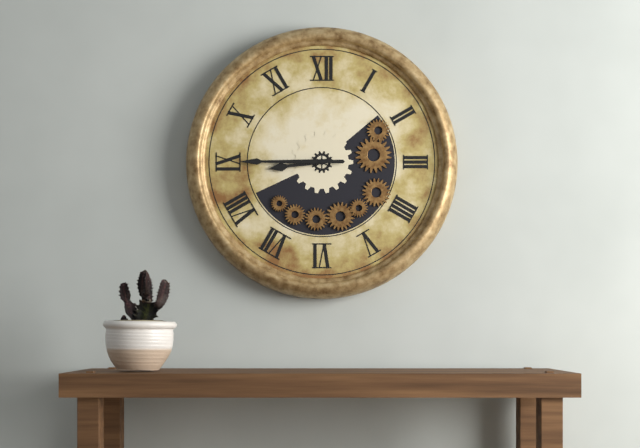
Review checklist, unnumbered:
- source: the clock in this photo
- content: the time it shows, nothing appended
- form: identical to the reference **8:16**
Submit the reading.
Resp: **8:45**
